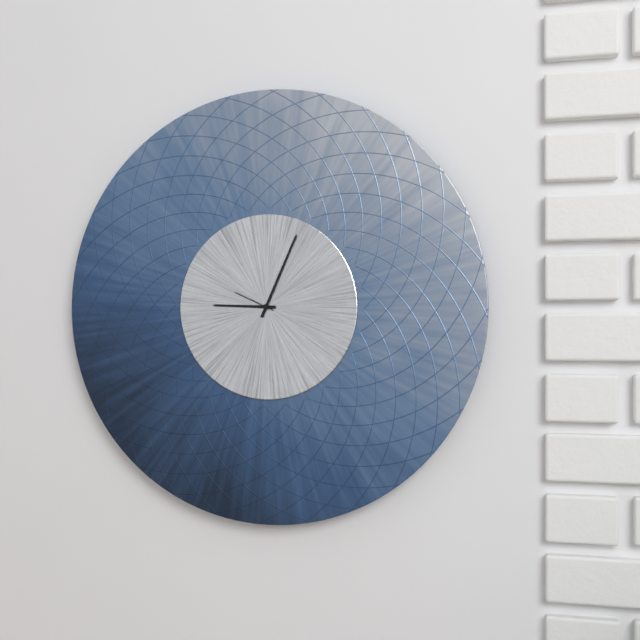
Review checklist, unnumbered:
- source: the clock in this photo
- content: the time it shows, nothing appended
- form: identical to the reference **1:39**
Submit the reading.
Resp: **9:04**
